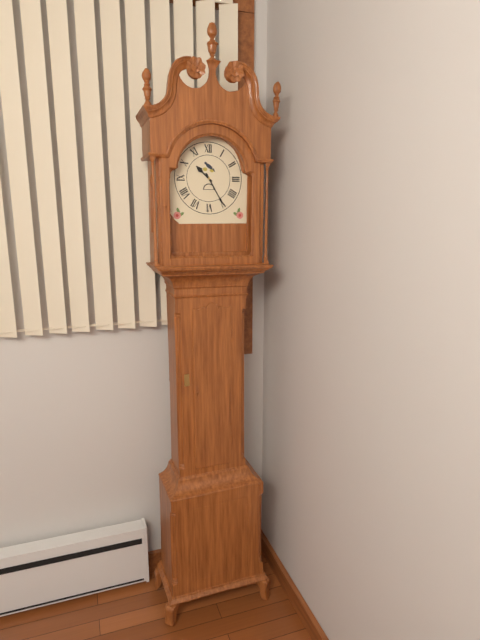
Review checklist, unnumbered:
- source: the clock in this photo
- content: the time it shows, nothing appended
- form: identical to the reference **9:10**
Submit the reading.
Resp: **10:25**
